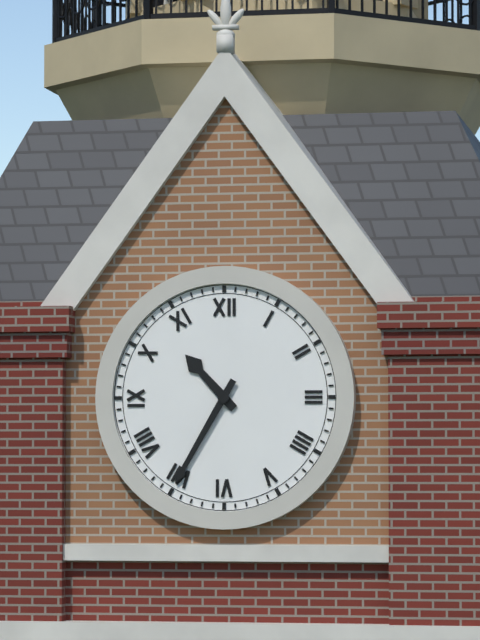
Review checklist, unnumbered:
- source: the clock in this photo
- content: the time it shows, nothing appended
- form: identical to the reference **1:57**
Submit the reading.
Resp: **10:35**
